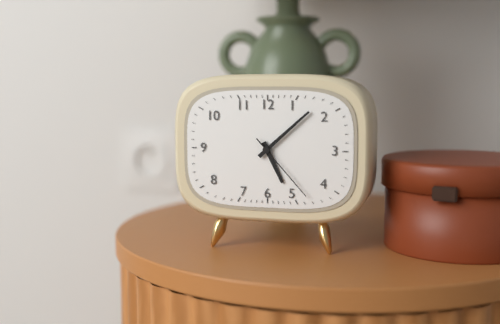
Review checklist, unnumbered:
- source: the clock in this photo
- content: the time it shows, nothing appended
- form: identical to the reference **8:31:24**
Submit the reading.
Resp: **5:08:23**
